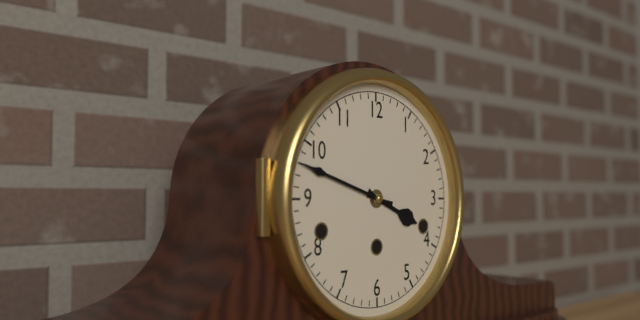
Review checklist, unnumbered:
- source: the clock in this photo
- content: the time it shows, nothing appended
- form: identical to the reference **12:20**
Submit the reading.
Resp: **3:48**
